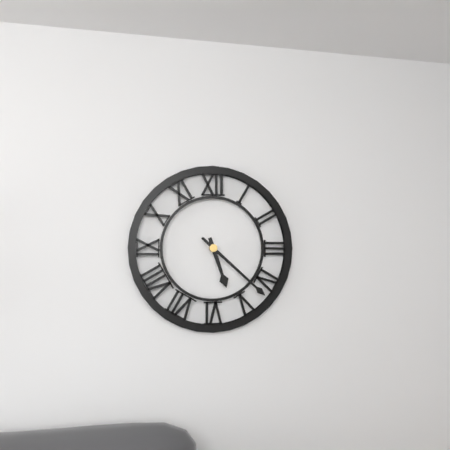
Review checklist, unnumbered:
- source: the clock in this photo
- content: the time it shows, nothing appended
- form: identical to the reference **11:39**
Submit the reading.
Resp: **5:22**
